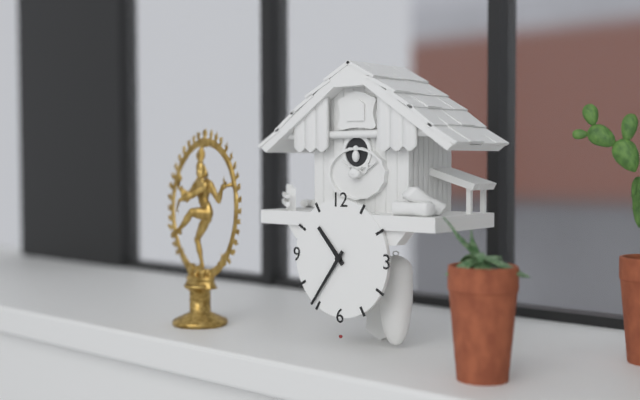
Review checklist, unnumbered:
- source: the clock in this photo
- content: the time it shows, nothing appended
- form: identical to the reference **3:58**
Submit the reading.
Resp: **10:36**
